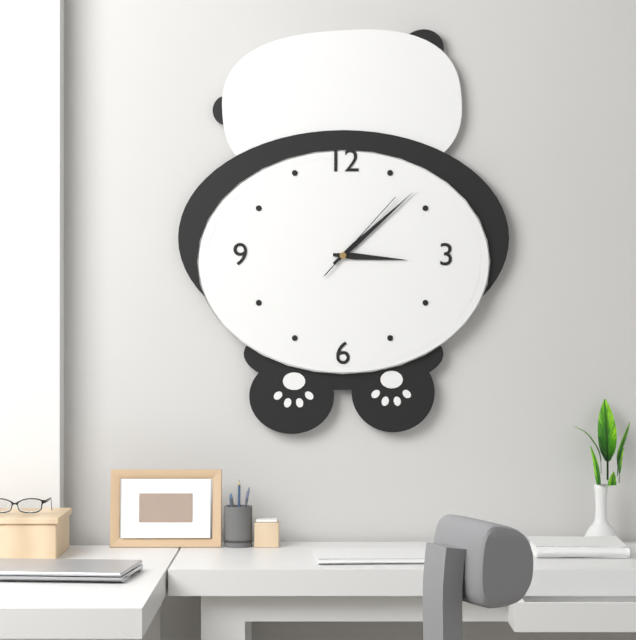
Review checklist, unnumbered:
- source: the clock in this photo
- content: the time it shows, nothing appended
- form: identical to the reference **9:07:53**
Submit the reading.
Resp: **3:08:07**
